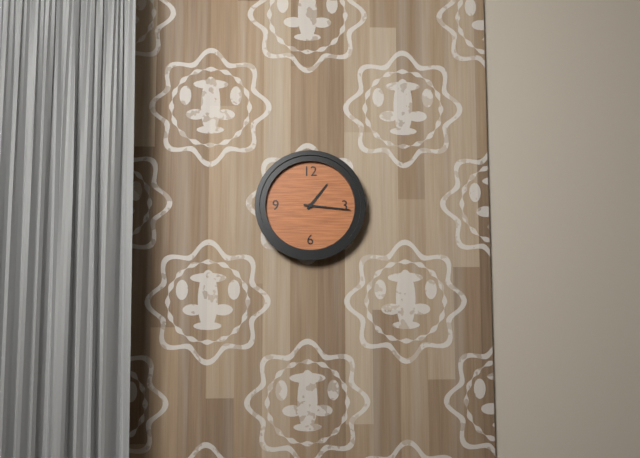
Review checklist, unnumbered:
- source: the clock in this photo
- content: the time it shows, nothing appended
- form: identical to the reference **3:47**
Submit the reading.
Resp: **1:16**
